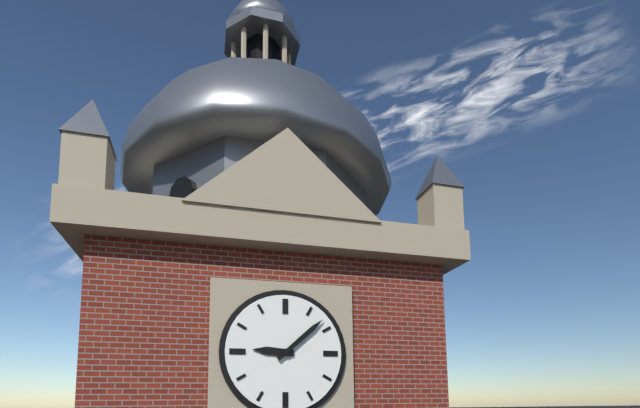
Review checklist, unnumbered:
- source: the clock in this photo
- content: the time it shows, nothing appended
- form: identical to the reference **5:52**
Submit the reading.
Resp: **9:08**
